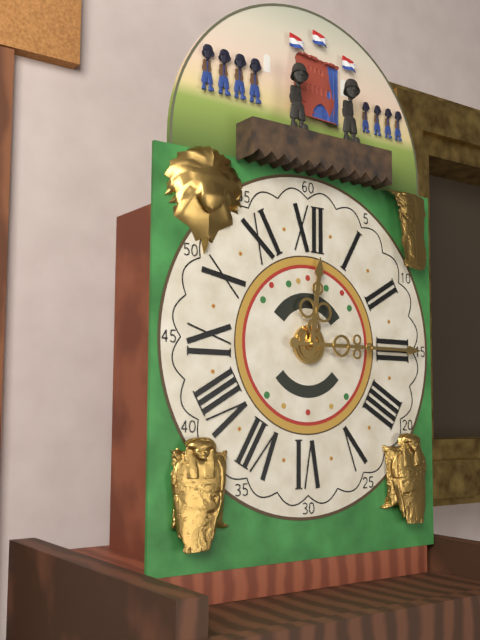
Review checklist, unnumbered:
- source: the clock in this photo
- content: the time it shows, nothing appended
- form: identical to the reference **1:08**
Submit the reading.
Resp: **12:15**
